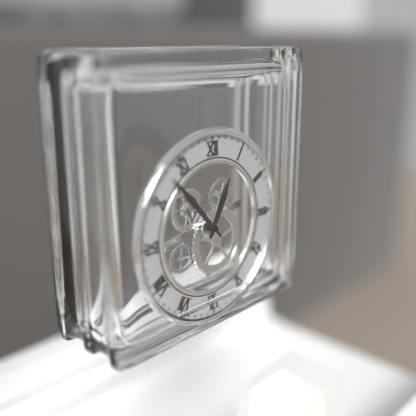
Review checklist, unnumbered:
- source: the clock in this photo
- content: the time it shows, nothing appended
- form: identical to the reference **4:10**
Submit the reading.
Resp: **12:53**
